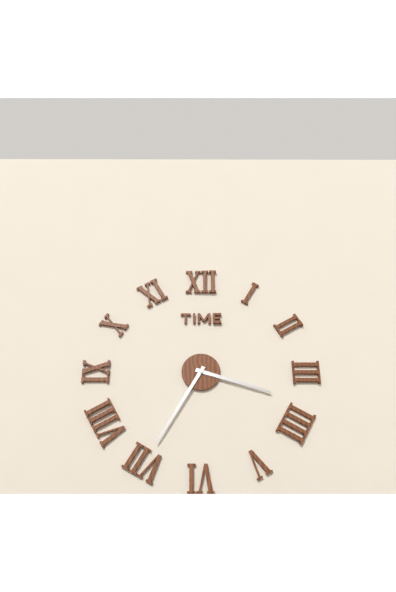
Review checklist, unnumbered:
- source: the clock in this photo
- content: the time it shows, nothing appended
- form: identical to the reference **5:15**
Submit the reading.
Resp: **3:35**
